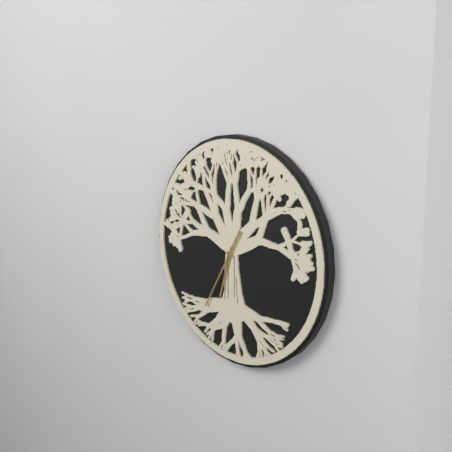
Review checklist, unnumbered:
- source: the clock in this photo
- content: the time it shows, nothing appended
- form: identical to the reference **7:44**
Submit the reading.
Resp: **6:35**
